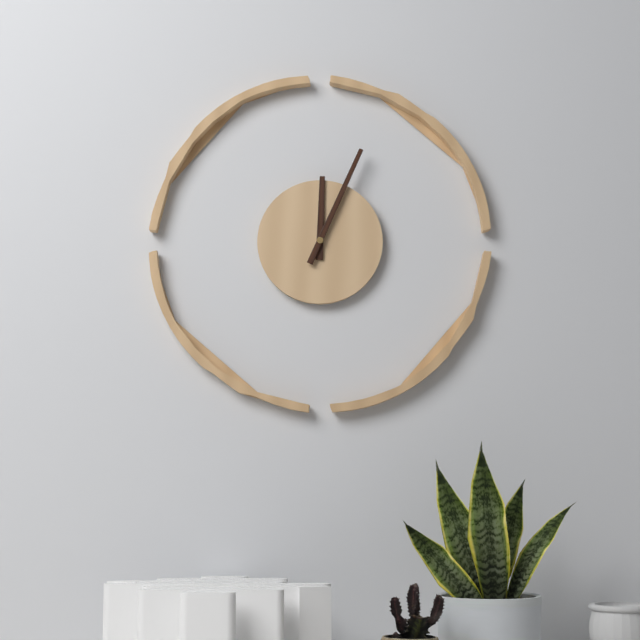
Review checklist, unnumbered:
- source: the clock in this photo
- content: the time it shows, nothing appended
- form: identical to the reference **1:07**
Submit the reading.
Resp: **12:04**
